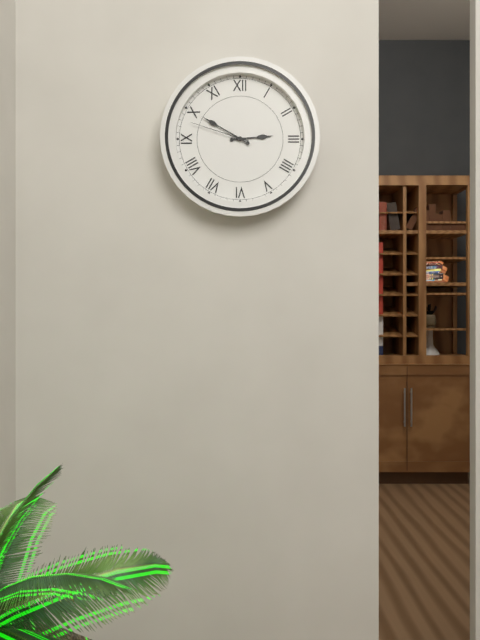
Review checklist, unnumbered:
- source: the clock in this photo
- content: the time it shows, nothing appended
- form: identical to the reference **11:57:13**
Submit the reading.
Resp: **2:50:48**
